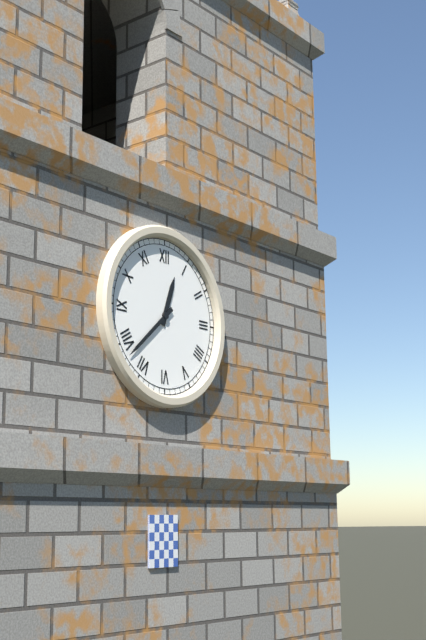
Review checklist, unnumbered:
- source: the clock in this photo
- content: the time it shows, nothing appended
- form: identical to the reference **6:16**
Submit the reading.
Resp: **12:38**
